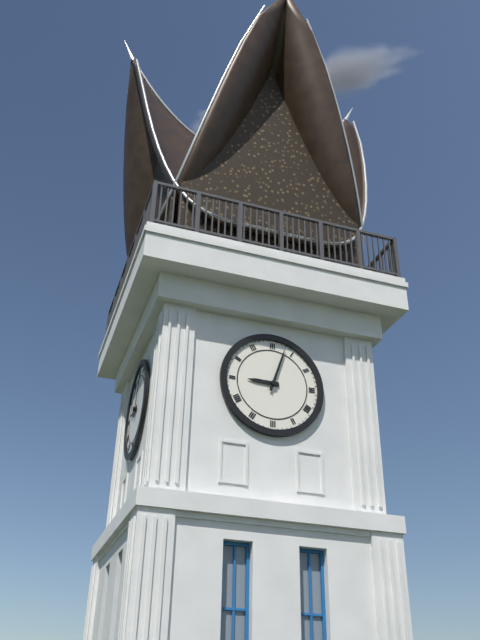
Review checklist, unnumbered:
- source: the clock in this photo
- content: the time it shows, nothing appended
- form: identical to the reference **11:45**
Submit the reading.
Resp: **9:03**
